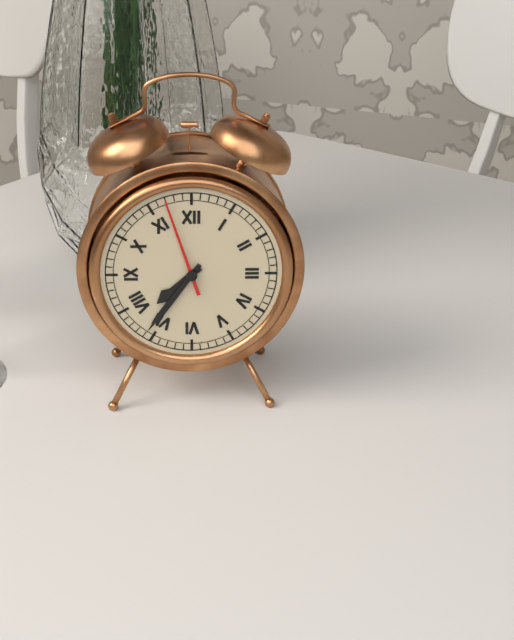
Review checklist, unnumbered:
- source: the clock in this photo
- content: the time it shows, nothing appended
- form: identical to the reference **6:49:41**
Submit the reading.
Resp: **7:36:57**
